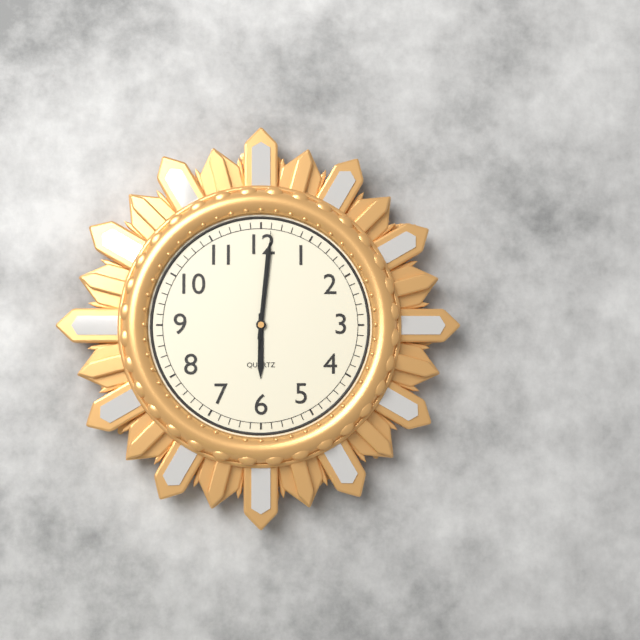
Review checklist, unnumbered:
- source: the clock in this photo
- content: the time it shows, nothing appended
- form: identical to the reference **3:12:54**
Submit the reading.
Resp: **6:01:01**
